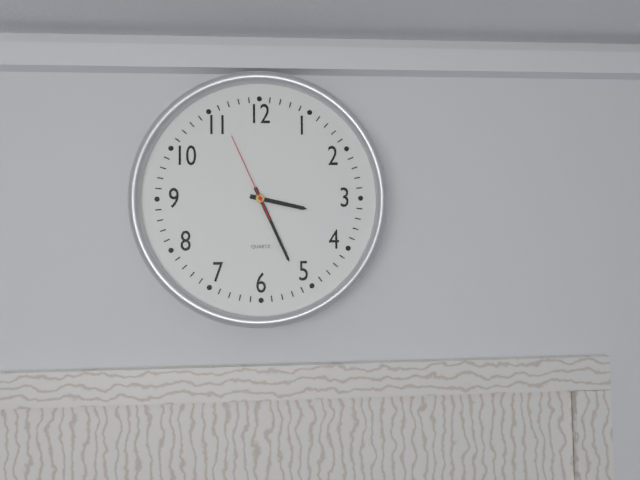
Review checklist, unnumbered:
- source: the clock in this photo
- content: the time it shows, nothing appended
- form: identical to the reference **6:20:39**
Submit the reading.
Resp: **3:26:56**
